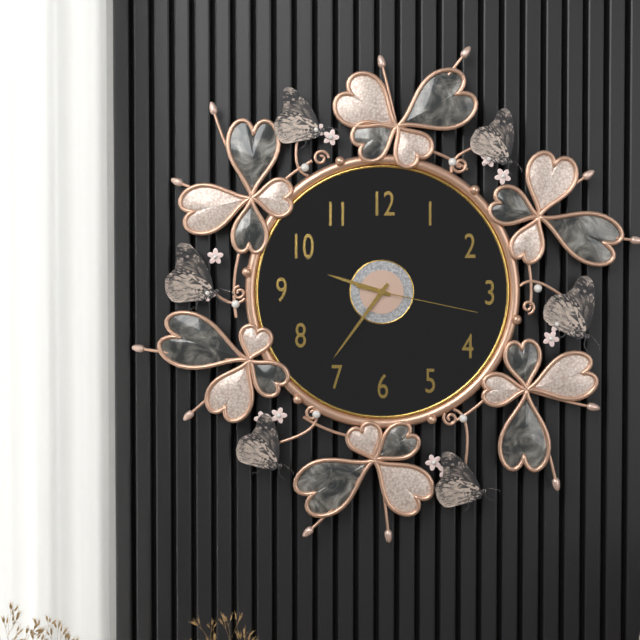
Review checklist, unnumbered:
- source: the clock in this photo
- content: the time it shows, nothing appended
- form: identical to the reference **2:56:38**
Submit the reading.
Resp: **9:36:17**
